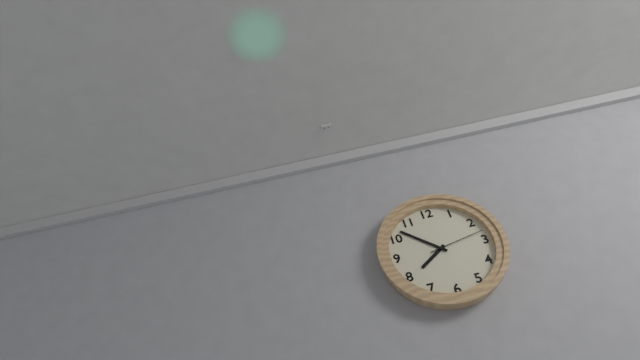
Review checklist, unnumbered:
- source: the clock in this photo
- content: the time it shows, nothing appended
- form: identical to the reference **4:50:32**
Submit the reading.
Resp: **7:52:13**
